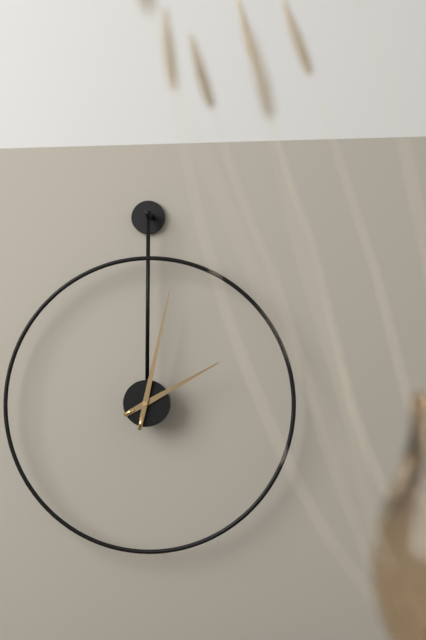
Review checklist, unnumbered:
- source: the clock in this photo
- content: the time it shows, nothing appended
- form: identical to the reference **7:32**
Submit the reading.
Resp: **2:02**
